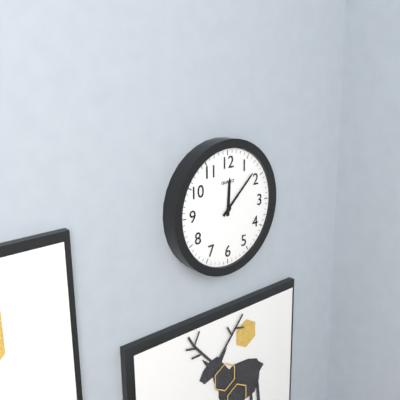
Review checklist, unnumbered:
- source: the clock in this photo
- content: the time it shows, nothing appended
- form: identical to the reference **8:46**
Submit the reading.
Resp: **12:08**
